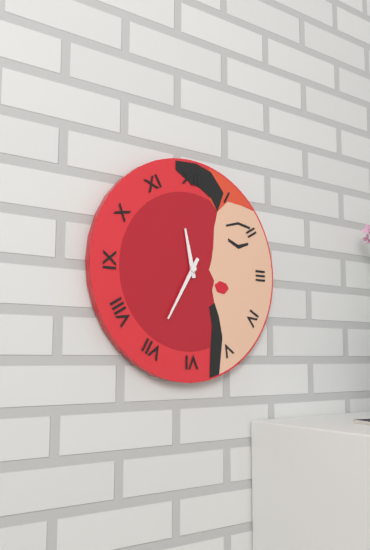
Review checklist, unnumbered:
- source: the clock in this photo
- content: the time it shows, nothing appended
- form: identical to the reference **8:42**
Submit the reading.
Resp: **11:35**
